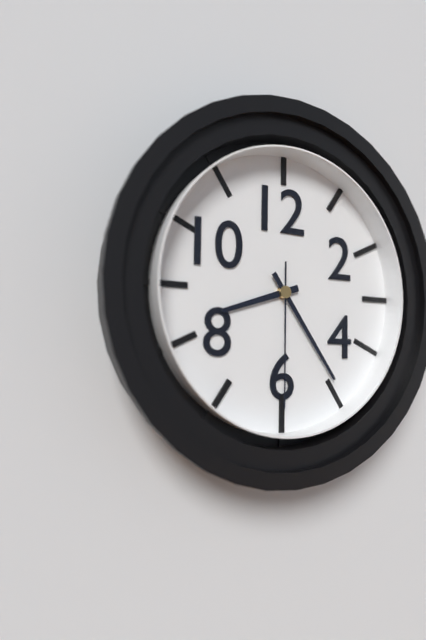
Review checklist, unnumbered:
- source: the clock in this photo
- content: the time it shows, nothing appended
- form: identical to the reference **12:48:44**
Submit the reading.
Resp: **8:24:30**
